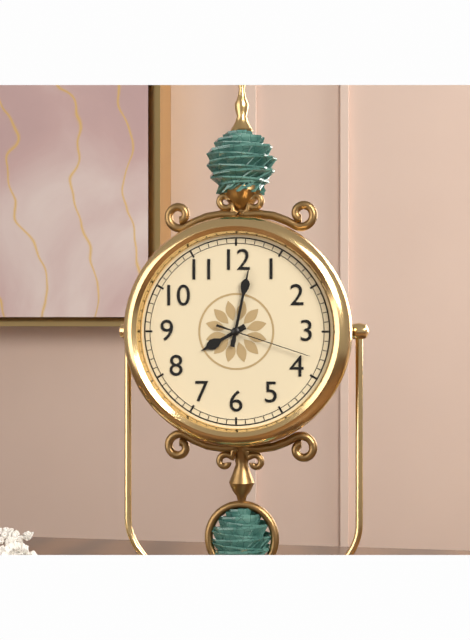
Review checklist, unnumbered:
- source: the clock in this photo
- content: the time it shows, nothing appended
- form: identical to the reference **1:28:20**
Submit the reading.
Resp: **8:02:18**
